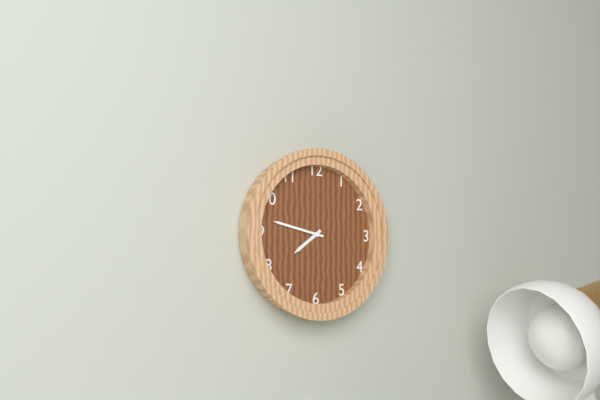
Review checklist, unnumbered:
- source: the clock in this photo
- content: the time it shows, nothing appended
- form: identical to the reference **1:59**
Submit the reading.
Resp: **7:47**
